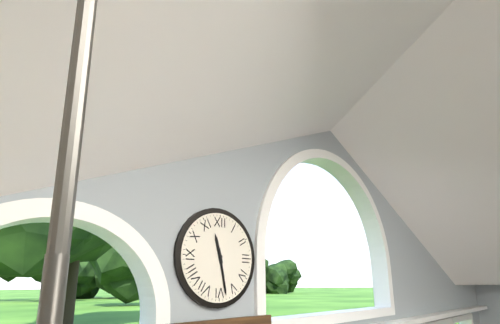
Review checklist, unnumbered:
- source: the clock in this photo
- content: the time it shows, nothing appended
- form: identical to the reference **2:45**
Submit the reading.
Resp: **11:28**
